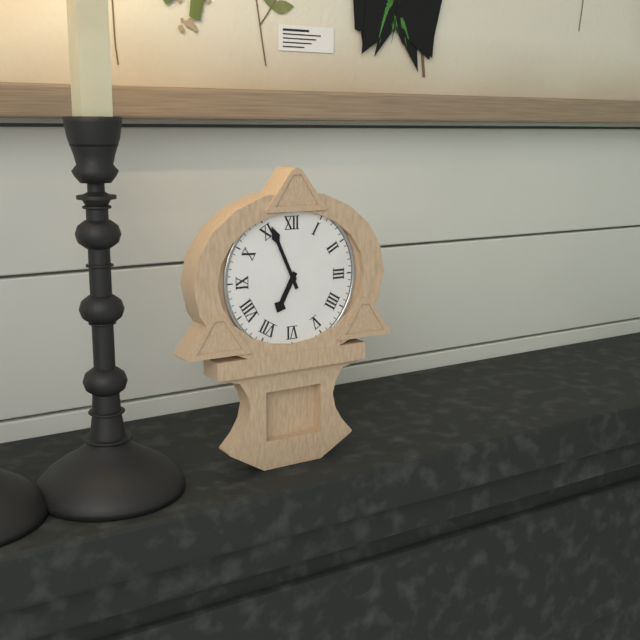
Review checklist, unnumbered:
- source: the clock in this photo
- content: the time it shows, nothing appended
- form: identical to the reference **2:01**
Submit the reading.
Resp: **6:56**
